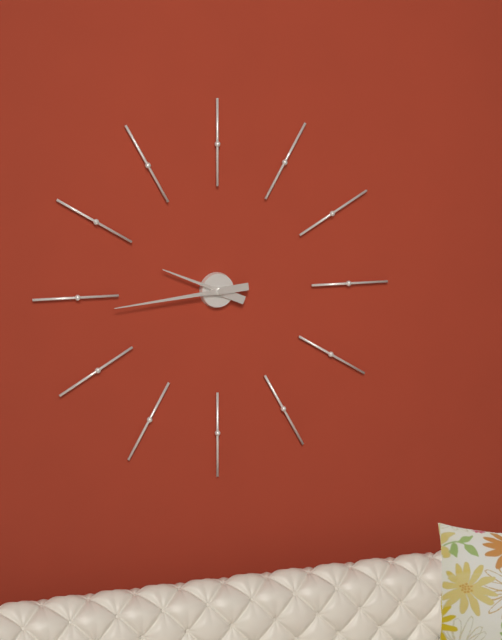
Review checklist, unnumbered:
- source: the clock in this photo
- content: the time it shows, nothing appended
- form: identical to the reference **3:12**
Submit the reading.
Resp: **9:44**
